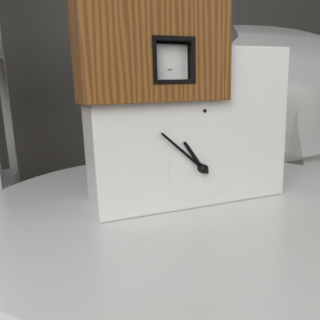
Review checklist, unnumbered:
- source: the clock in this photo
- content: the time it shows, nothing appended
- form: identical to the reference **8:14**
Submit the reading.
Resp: **10:52**
